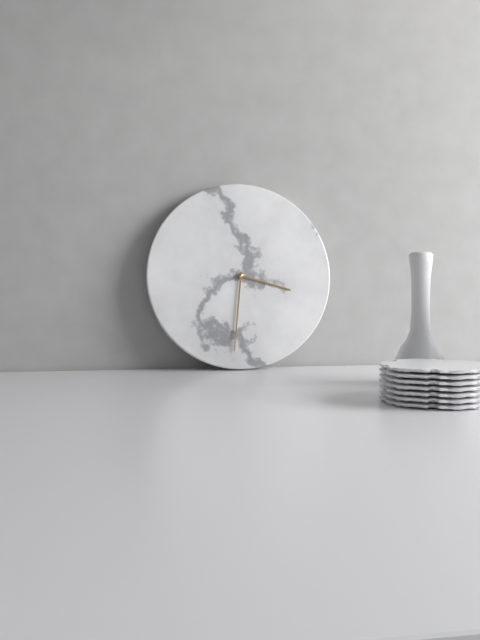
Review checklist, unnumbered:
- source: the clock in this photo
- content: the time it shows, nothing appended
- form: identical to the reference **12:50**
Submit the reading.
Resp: **3:31**
